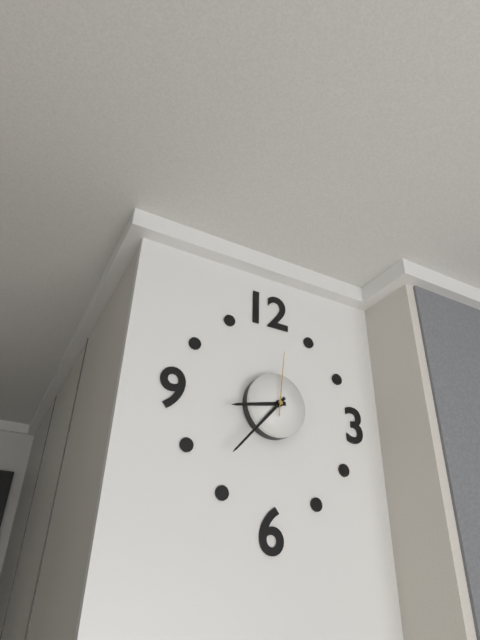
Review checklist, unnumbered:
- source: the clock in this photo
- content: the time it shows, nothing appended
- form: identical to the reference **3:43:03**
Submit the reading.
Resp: **8:37:01**
